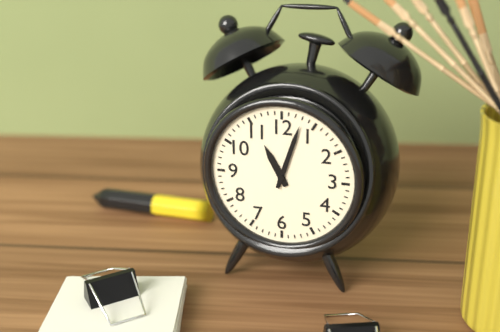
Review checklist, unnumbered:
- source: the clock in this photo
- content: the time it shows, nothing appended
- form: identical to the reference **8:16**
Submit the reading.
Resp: **11:03**
